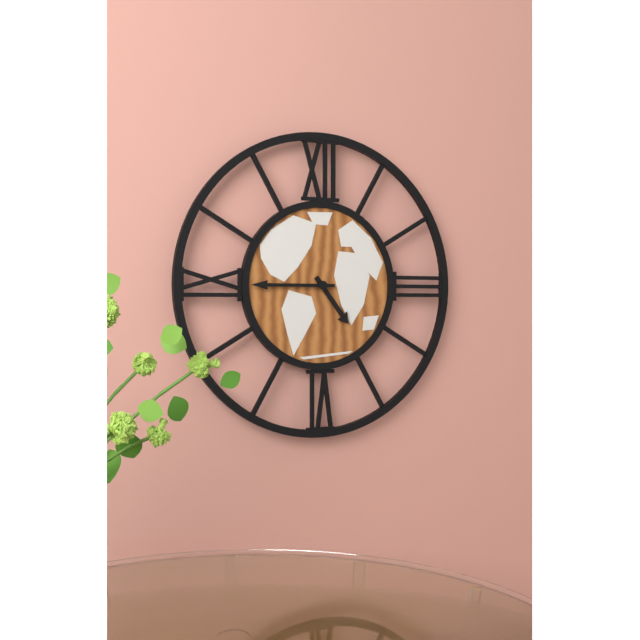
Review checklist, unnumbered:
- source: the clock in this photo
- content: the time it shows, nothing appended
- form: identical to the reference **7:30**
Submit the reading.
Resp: **4:45**
